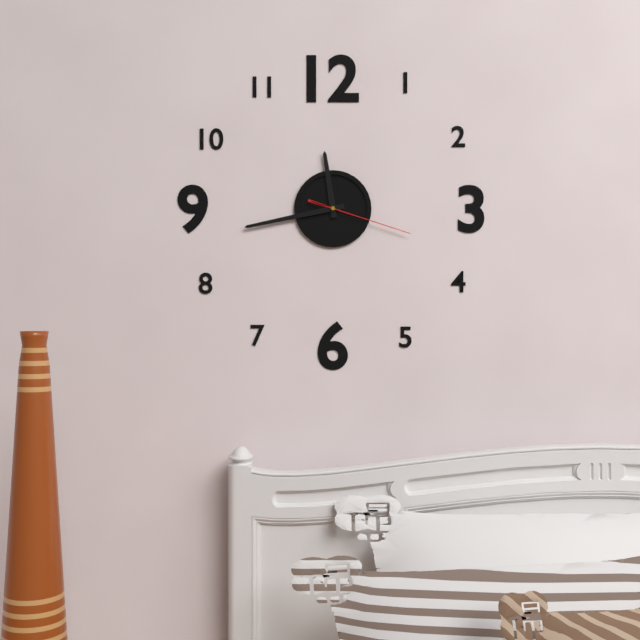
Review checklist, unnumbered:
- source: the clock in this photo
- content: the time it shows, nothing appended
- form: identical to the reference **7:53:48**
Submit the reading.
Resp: **11:43:18**
